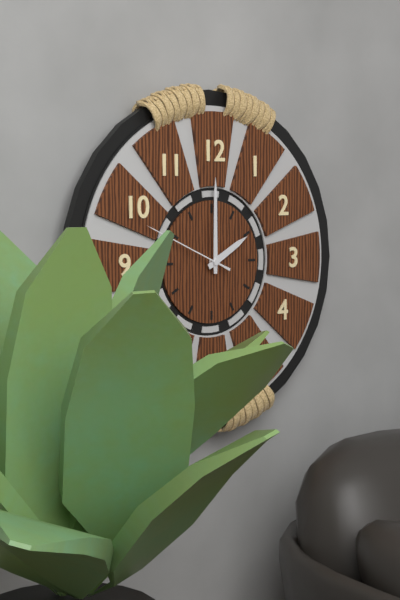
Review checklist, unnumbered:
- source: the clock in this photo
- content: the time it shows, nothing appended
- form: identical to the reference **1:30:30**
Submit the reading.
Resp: **2:00:49**
